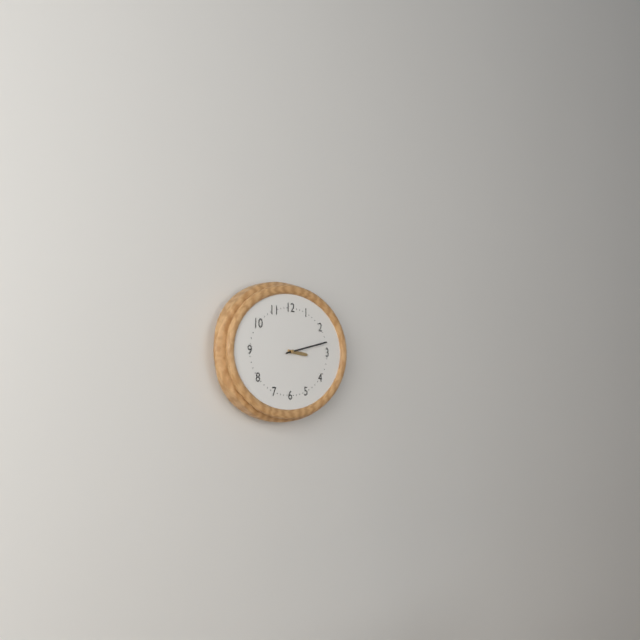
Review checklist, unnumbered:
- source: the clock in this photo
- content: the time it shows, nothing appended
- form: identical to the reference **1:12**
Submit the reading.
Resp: **3:13**
